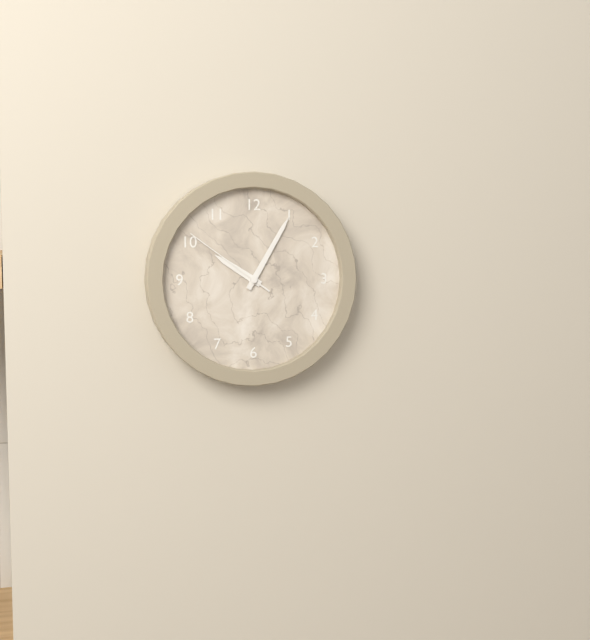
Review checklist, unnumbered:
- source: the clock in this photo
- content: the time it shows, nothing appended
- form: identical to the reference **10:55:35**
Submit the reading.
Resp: **10:05:51**
